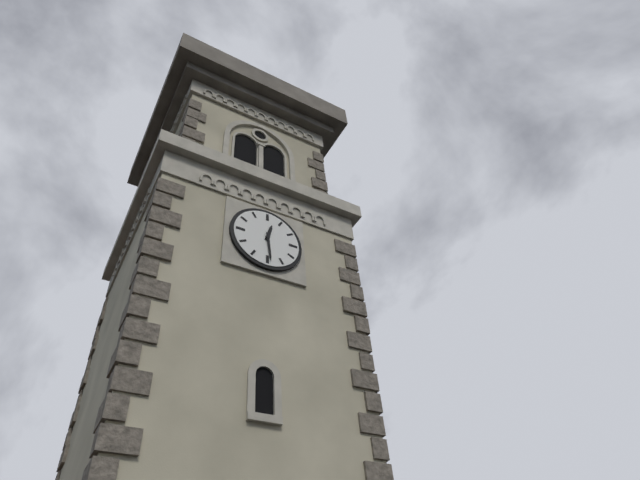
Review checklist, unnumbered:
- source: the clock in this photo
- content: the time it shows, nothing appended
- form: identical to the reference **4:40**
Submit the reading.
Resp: **12:29**
